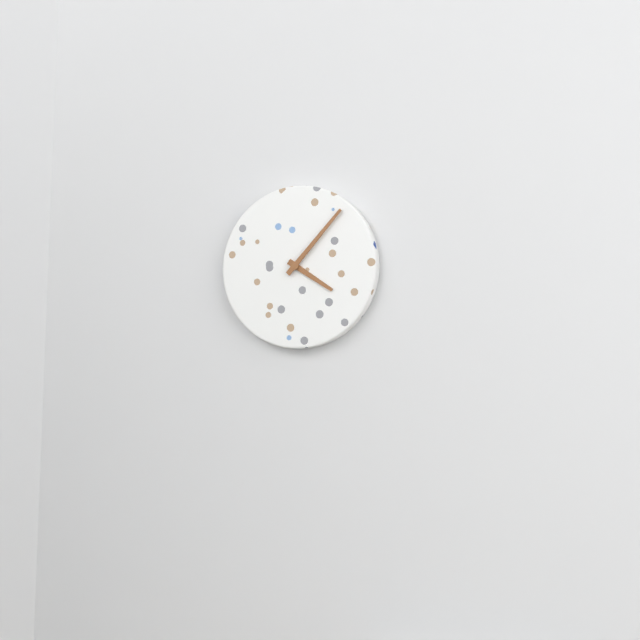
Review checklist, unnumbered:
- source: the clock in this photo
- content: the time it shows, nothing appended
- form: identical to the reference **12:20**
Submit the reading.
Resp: **4:07**
